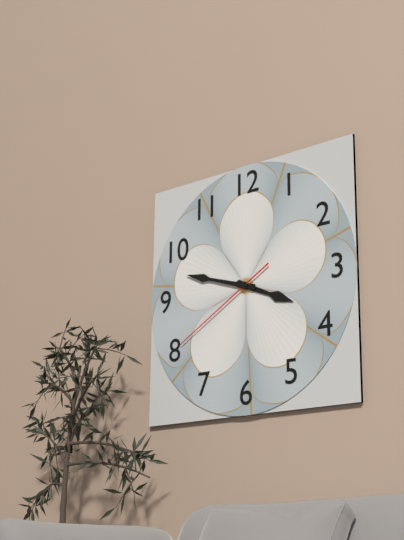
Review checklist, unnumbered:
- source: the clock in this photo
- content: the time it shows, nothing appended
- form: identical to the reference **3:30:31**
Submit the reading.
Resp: **3:48:40**
